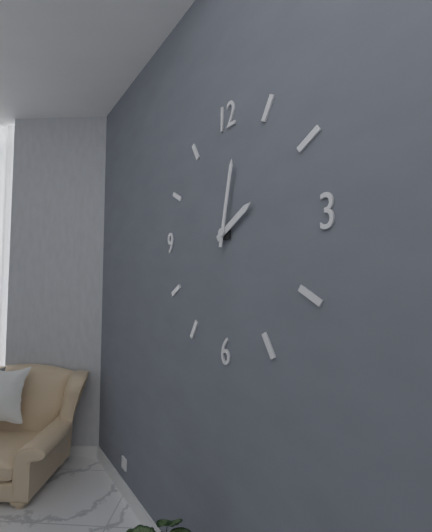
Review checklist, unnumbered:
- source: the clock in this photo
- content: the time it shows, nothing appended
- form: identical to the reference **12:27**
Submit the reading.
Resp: **2:02**
